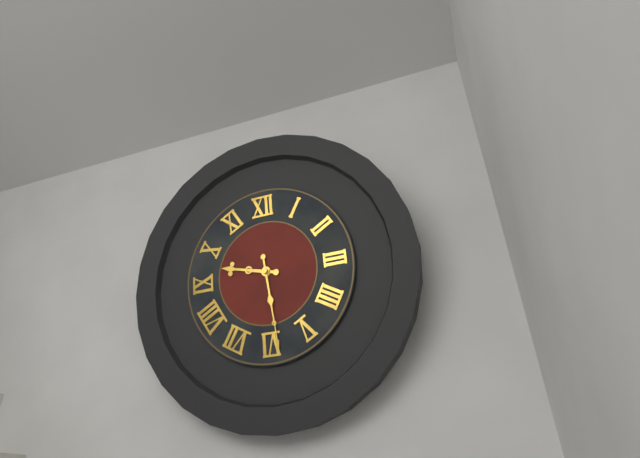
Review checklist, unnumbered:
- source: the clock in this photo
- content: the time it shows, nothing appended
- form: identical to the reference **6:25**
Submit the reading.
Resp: **9:29**
